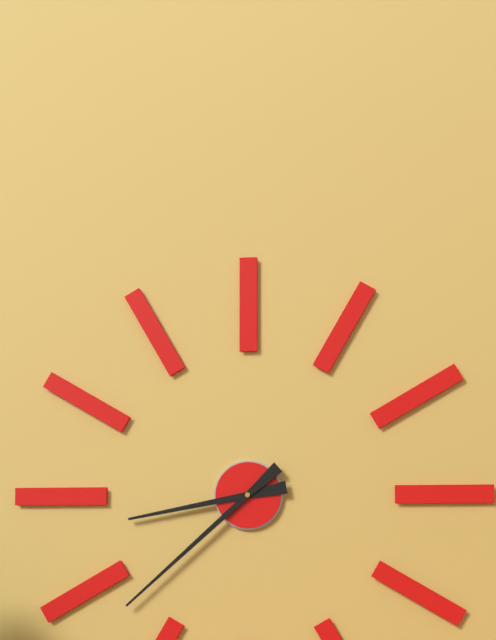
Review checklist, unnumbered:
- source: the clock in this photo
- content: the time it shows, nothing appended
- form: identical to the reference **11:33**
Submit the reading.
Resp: **8:38**
